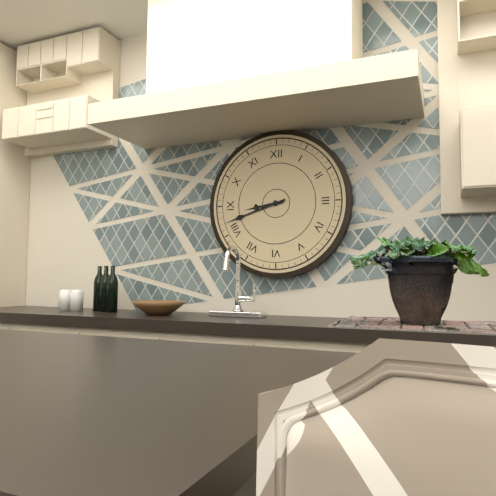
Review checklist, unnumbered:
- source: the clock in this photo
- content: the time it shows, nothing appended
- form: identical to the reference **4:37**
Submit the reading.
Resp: **8:42**
